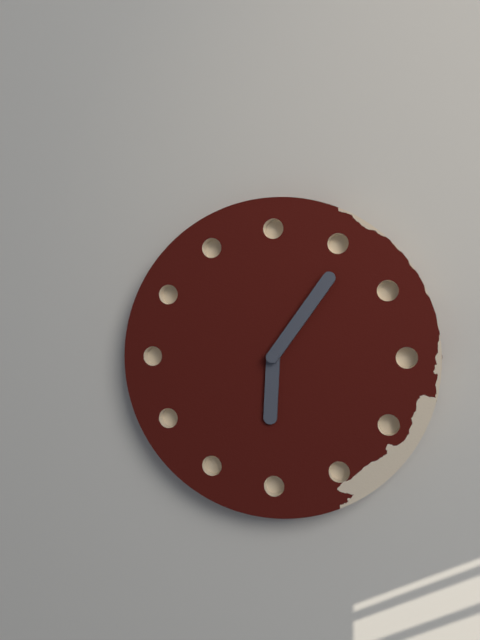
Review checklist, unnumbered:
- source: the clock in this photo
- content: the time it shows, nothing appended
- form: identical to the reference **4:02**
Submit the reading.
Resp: **6:06**
